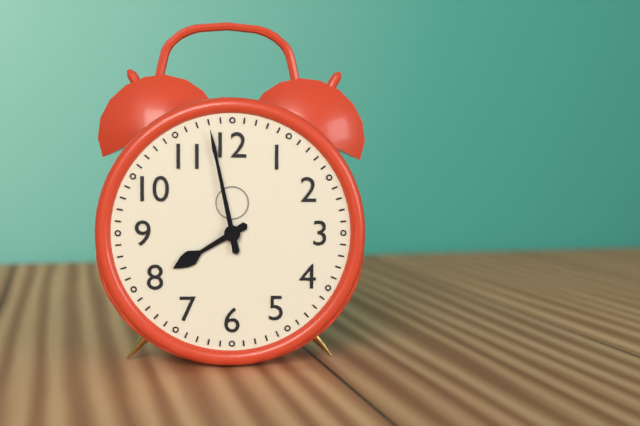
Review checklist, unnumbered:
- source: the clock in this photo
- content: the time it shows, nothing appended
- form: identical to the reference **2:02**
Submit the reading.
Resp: **7:58**
